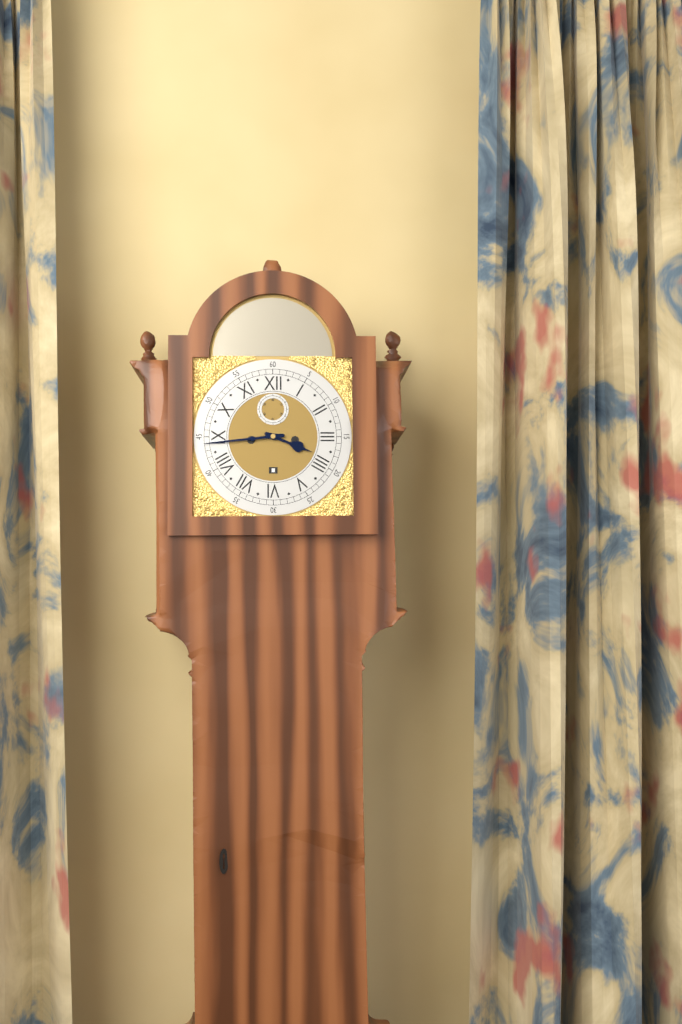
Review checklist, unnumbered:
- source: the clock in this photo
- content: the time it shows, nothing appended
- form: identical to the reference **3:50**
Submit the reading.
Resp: **3:44**
